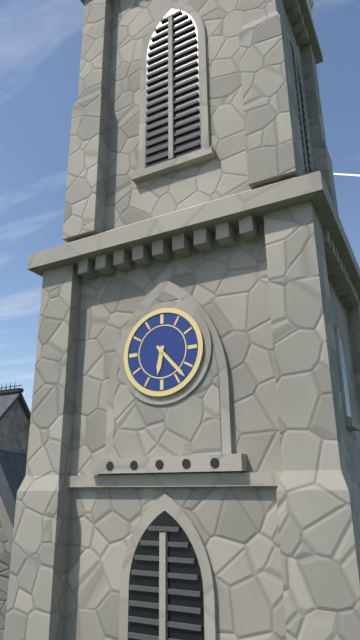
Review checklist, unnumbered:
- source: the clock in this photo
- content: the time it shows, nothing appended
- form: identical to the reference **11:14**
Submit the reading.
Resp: **6:23**
